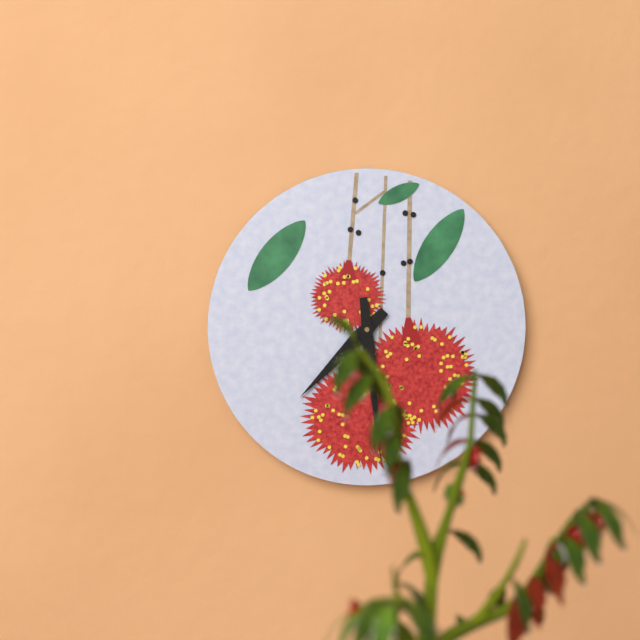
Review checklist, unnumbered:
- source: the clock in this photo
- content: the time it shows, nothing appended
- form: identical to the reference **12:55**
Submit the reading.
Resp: **7:29**
